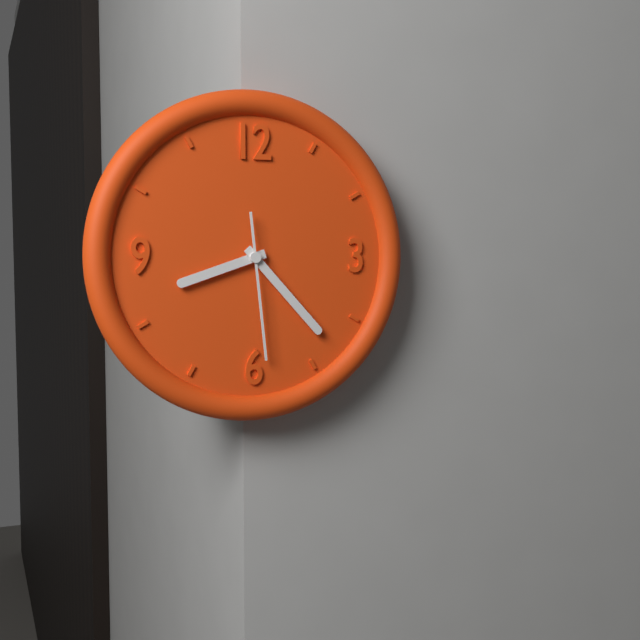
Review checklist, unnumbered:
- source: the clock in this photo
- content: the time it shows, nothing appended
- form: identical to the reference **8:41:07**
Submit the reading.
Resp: **8:23:29**
